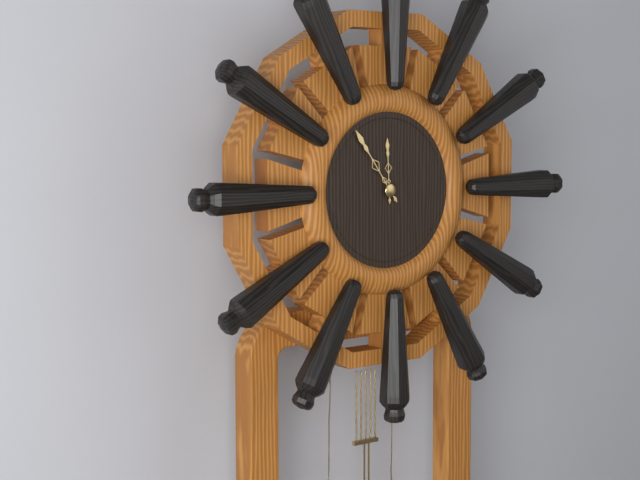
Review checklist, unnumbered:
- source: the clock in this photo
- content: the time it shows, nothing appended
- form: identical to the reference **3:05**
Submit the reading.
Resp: **11:54**
